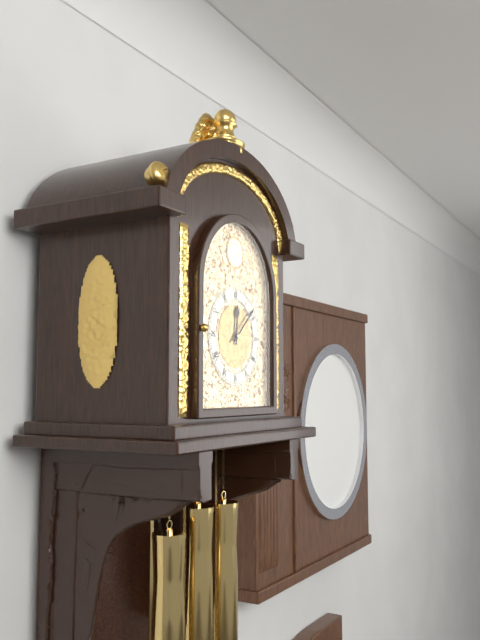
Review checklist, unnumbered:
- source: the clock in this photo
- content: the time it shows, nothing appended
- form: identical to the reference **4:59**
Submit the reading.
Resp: **12:08**
